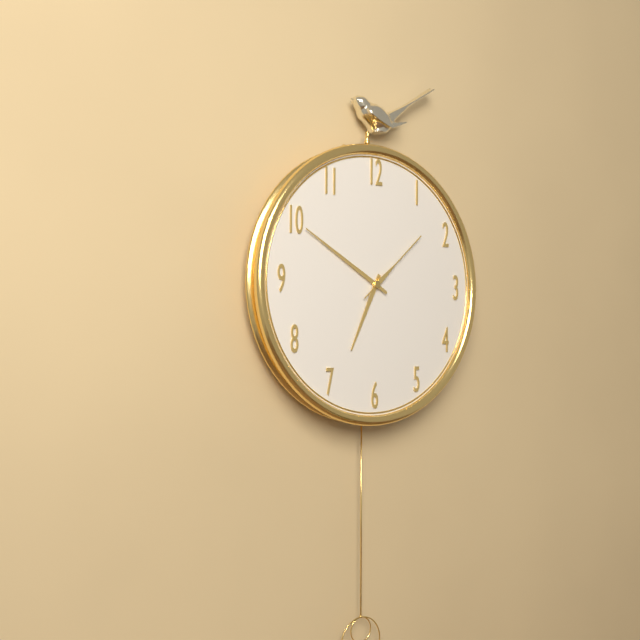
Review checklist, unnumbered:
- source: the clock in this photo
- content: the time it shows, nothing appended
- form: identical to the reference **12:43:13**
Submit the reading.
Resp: **6:50:08**
